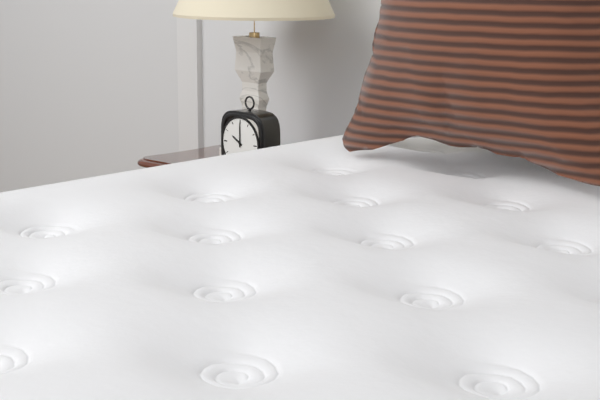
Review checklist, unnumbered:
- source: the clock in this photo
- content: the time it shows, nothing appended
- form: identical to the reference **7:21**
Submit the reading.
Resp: **10:00**
